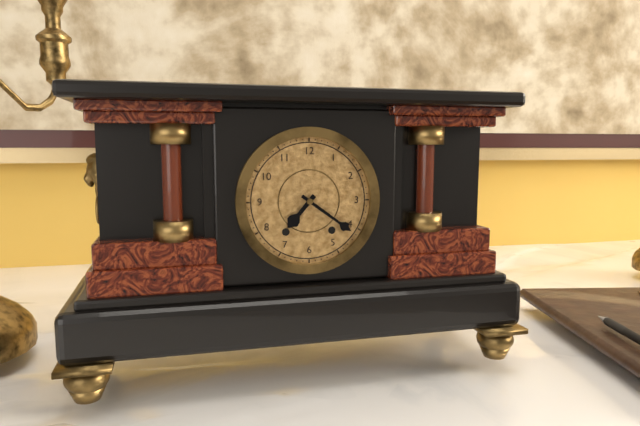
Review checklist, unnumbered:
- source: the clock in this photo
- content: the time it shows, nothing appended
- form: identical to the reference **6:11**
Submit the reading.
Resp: **7:21**
